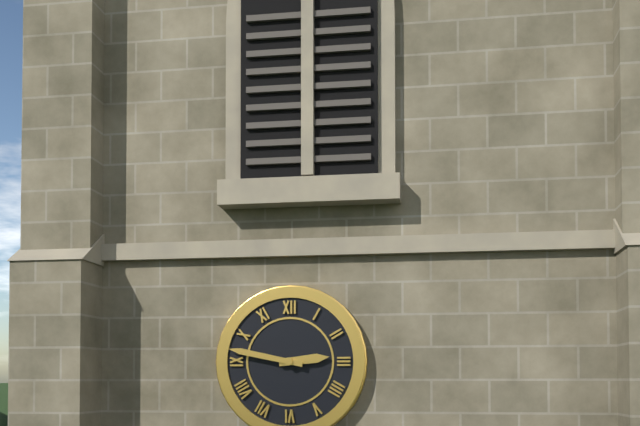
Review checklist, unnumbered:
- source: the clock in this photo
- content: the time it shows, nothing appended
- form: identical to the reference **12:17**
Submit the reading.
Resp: **2:47**
